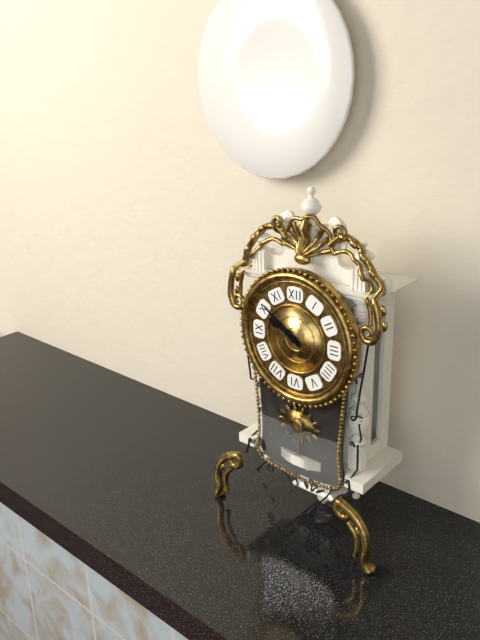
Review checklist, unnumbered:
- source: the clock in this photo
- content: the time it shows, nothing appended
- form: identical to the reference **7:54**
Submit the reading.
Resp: **9:51**
